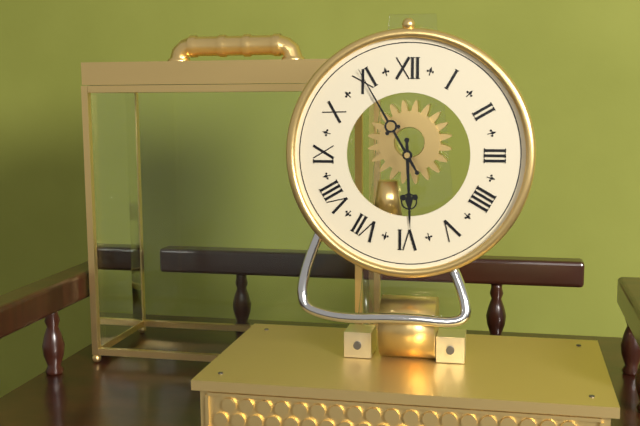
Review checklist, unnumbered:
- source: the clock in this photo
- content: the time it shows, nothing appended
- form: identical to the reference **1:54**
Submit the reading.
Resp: **5:55**
